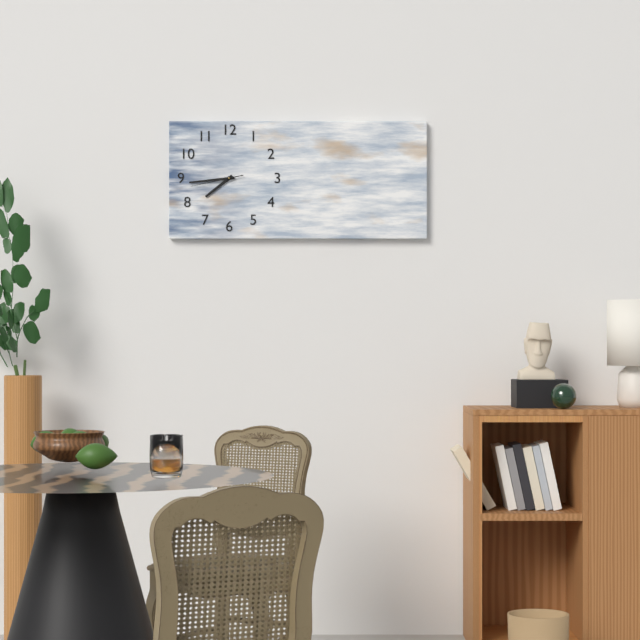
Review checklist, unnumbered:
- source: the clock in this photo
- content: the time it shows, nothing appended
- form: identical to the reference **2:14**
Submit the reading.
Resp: **7:44**
